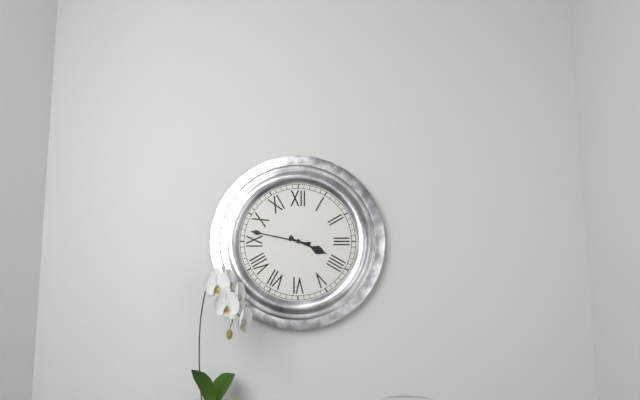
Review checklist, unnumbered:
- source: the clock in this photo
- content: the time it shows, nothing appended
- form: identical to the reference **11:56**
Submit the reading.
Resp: **3:47**
